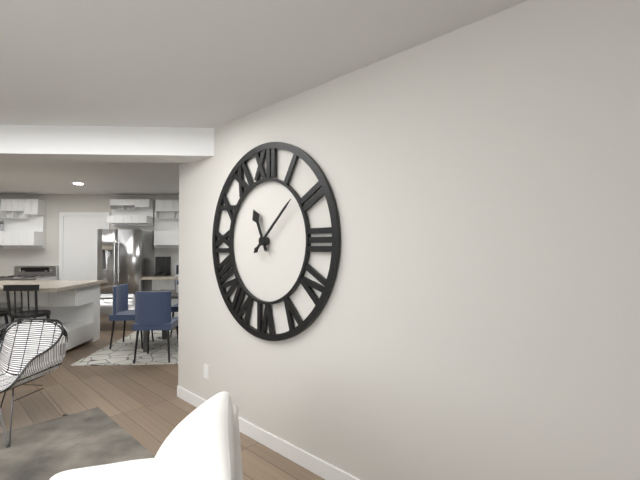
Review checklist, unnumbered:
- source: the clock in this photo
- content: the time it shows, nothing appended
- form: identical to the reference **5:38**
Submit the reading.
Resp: **11:08**
